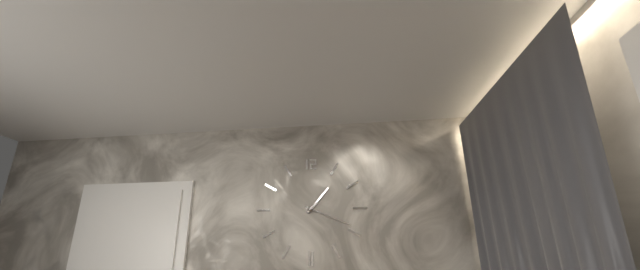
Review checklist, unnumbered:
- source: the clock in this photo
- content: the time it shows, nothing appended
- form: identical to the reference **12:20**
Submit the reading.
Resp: **1:19**
